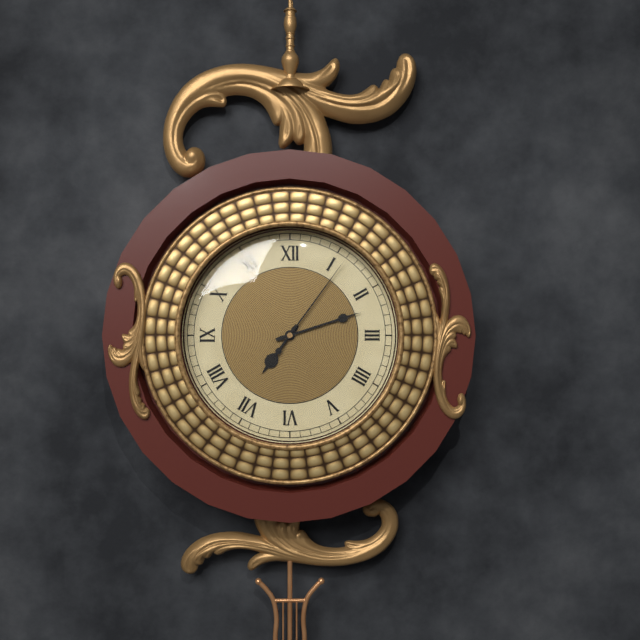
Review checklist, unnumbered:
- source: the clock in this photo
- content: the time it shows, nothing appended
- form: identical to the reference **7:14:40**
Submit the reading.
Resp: **7:12:06**
